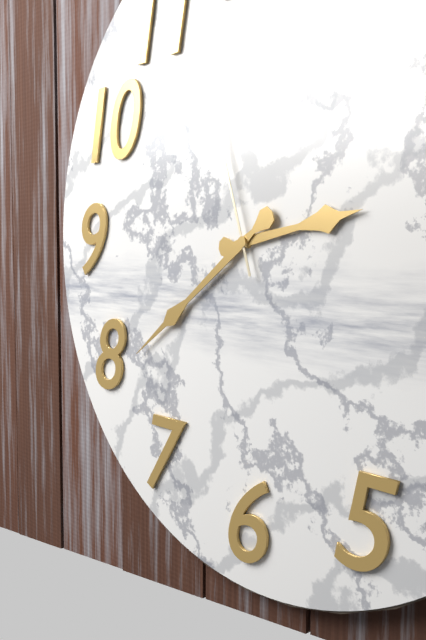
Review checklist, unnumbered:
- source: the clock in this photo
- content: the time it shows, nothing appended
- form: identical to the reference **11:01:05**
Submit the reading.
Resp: **2:39:57**
